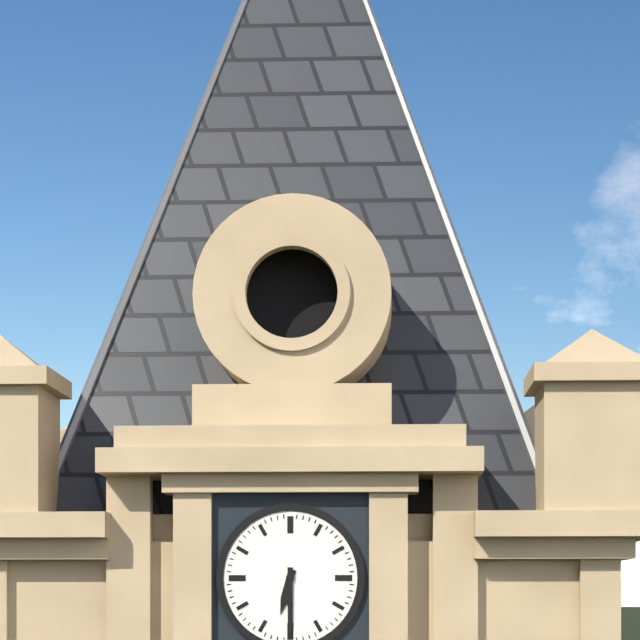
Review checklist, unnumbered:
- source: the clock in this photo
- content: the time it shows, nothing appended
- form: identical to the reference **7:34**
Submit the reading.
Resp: **6:30**
